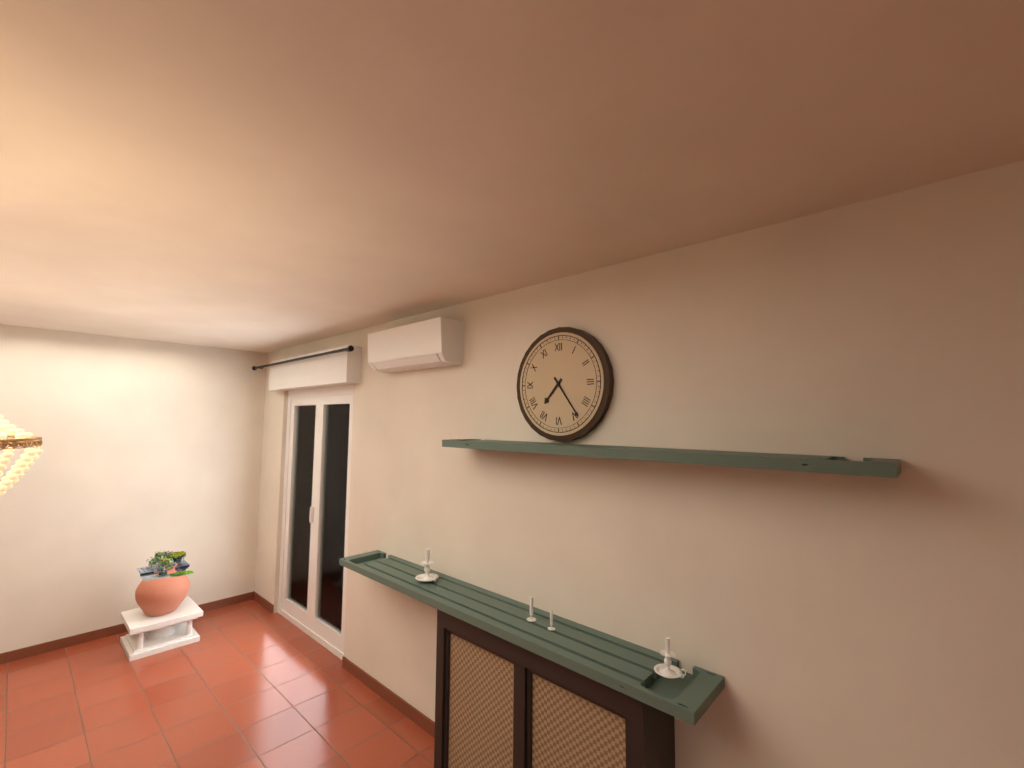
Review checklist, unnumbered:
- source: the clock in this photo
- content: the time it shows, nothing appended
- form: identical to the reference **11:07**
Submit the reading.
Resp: **7:24**
